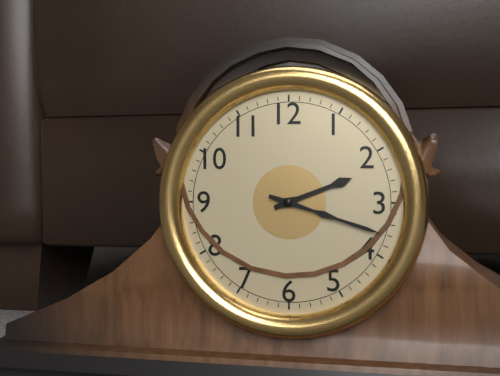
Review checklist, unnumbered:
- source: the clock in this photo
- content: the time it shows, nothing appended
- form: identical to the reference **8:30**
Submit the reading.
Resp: **2:18**
